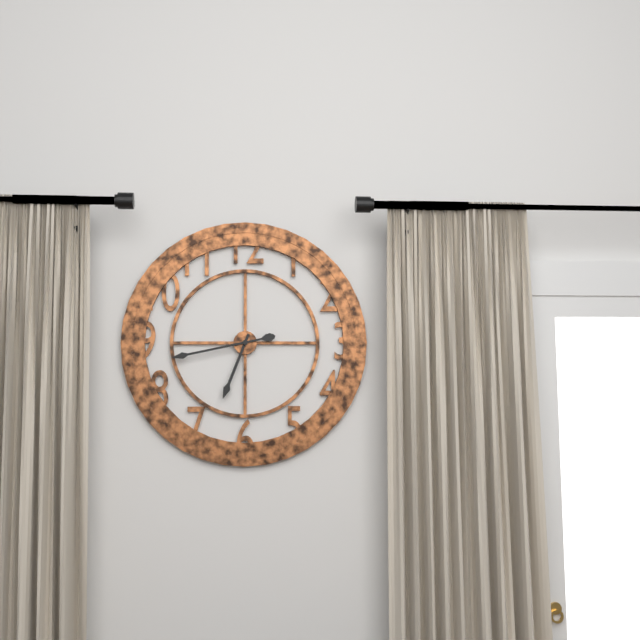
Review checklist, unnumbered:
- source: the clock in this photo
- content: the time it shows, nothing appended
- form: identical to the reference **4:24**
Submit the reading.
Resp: **6:43**
